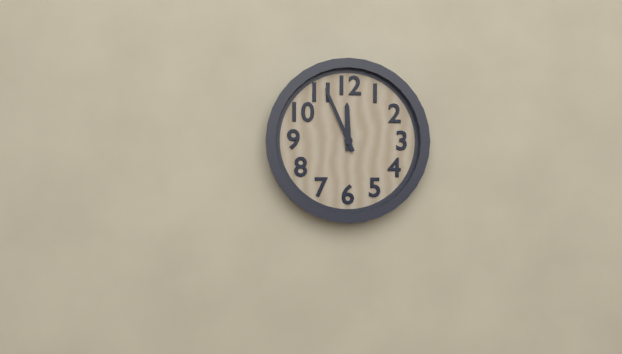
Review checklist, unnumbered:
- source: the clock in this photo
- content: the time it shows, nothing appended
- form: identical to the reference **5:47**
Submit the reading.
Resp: **11:56**
